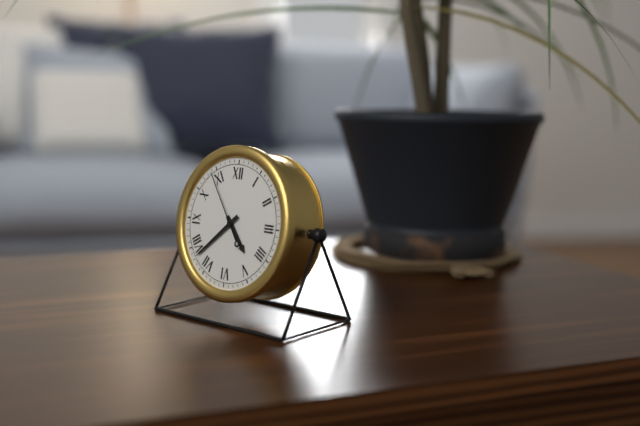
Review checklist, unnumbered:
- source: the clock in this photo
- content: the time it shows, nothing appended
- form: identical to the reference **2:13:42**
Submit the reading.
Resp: **4:38:54**
